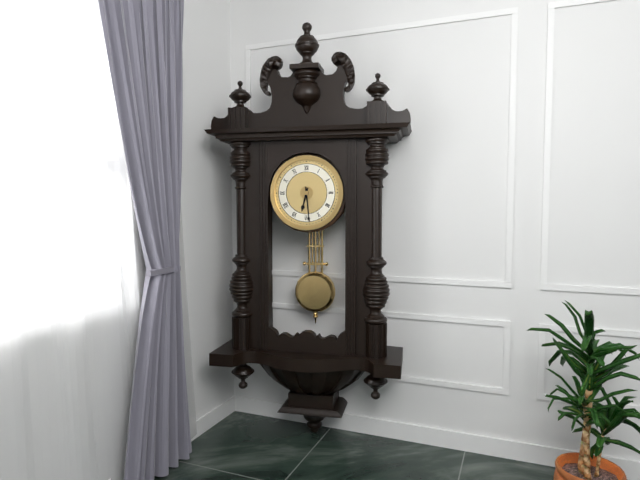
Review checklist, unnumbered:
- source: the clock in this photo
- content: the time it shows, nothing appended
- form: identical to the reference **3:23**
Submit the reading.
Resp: **6:29**
